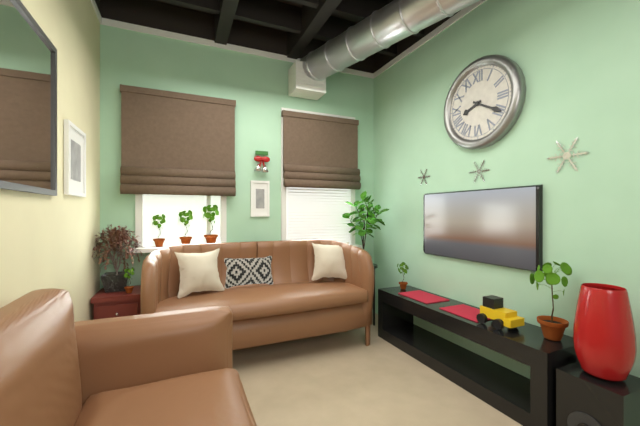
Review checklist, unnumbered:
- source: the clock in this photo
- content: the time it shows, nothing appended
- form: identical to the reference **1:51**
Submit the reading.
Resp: **8:20**
